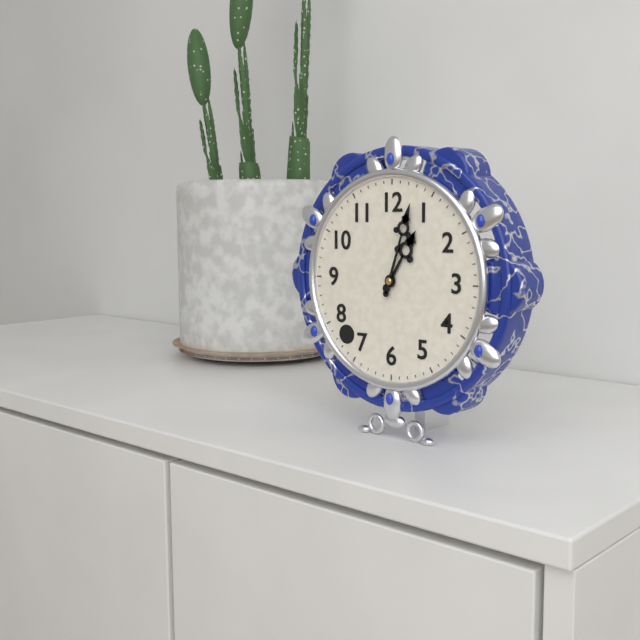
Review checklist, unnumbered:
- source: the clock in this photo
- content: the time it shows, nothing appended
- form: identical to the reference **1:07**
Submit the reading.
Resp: **1:03**
